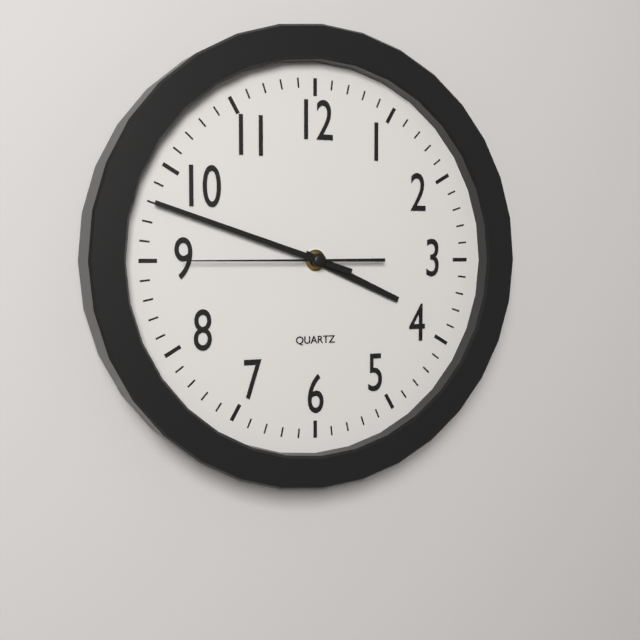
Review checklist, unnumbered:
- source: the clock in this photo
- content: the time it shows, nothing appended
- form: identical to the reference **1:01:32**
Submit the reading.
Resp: **3:48:45**
